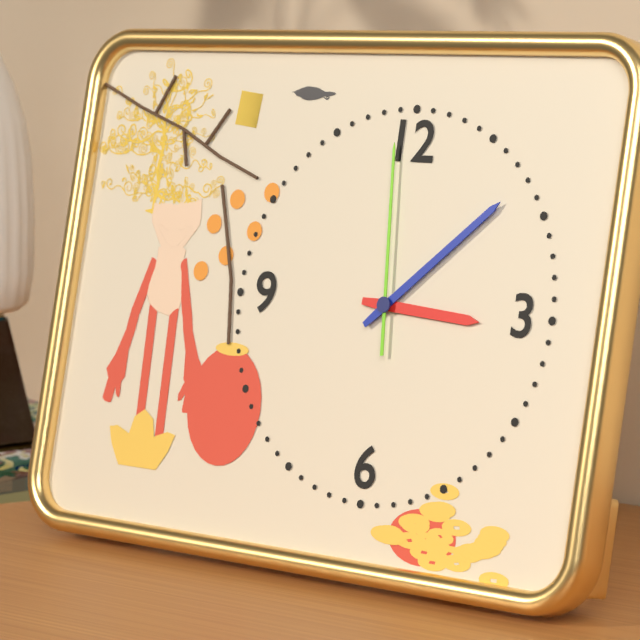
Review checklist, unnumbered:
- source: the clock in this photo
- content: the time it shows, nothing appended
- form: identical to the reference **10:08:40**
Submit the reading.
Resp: **3:08:59**
